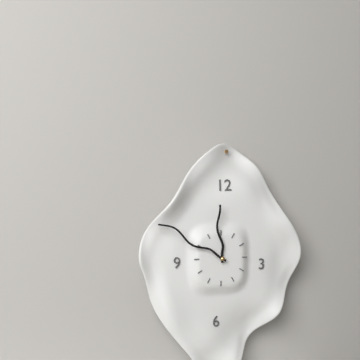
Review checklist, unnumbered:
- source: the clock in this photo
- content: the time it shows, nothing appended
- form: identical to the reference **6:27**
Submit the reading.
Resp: **11:50**
